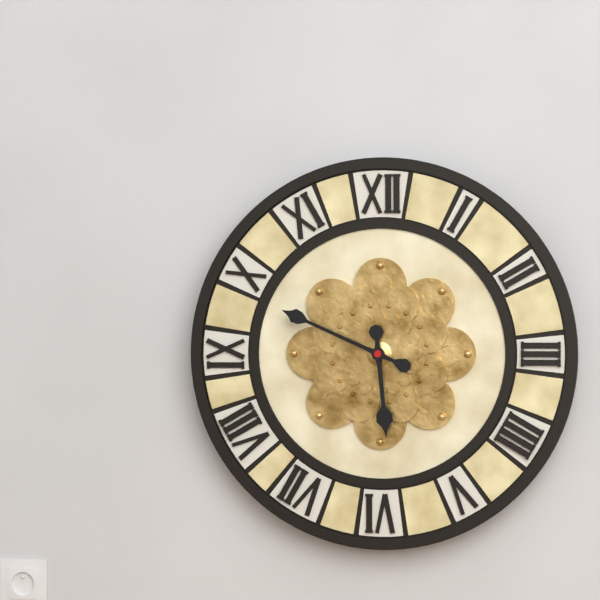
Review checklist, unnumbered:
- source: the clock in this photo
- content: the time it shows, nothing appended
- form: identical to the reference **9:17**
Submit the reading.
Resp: **5:49**
